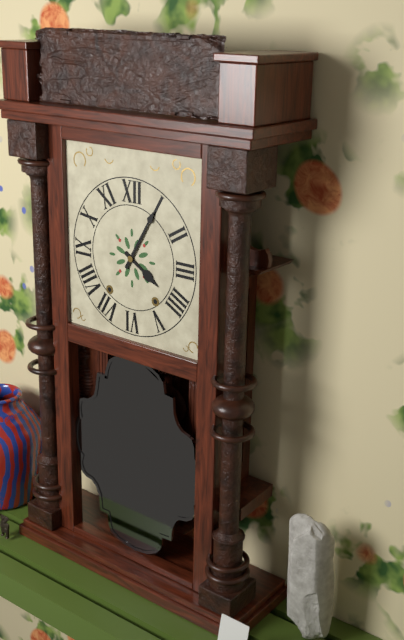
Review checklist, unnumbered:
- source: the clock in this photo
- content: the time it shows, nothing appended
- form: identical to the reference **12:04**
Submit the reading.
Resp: **4:05**
